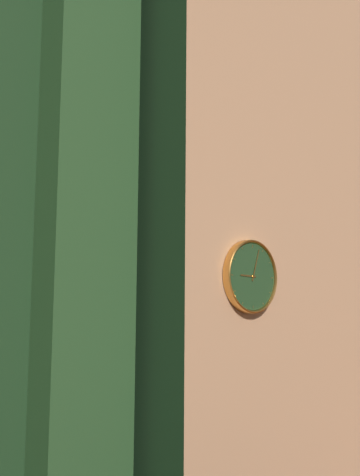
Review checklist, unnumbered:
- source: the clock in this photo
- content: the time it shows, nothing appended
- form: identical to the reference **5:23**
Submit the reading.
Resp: **9:03**
